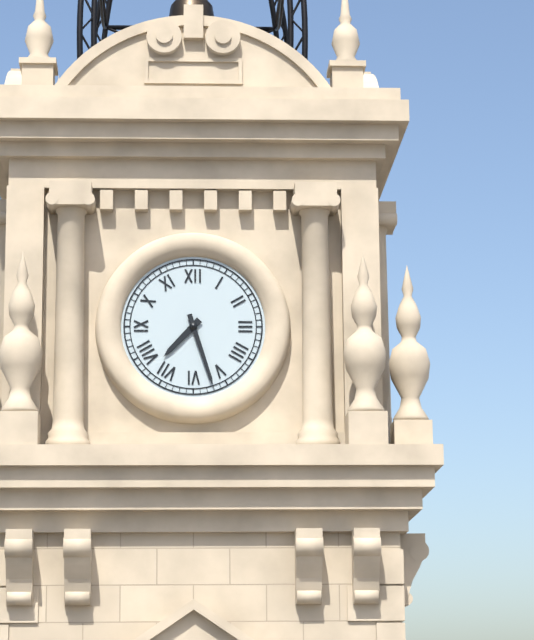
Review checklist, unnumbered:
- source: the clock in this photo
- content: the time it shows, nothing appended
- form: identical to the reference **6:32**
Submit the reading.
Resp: **7:27**
